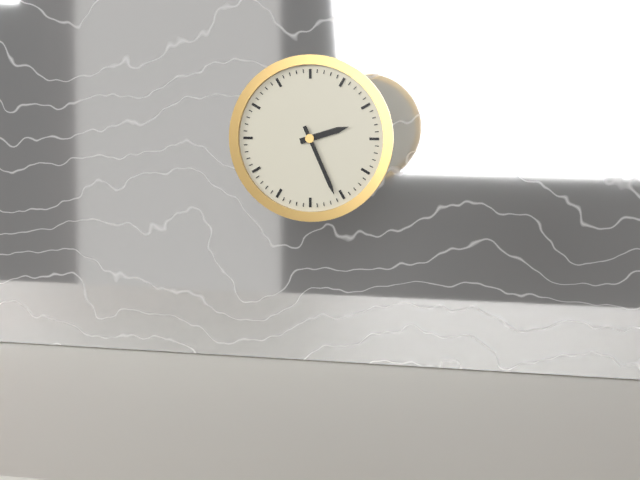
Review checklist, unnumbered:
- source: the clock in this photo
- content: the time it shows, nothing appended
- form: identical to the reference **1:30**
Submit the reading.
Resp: **2:26**
